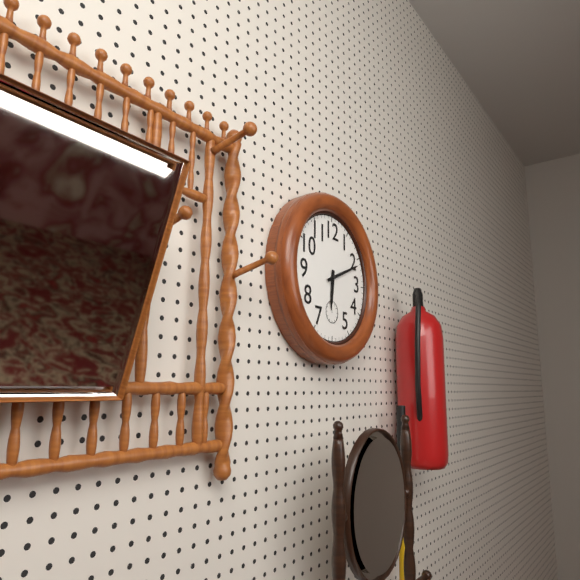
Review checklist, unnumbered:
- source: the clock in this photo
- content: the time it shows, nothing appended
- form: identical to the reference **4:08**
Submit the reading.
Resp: **6:11**
